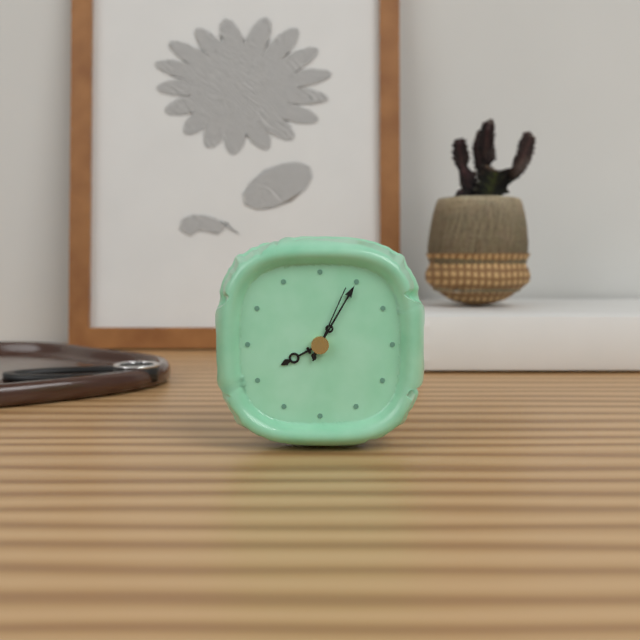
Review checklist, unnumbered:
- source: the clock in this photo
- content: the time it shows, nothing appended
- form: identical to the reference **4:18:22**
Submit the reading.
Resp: **8:05:04**
